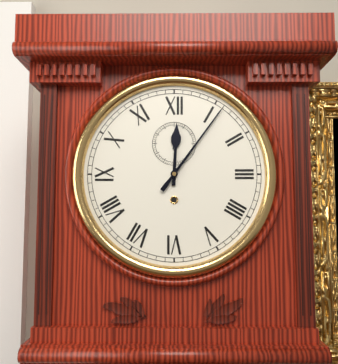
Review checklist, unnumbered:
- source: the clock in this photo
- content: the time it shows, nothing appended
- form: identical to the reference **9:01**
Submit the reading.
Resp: **12:06**
